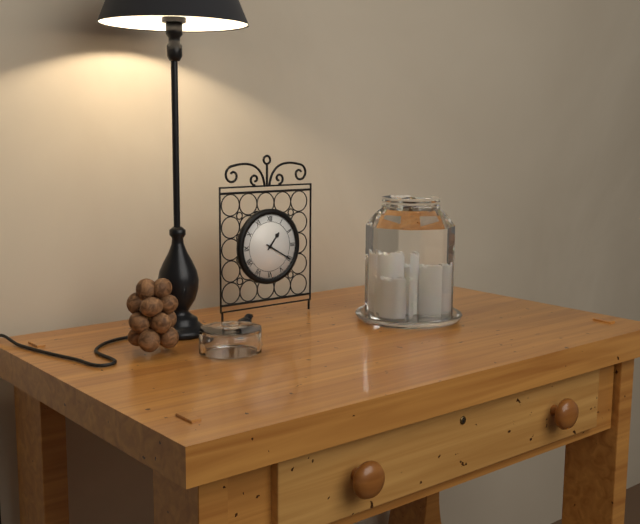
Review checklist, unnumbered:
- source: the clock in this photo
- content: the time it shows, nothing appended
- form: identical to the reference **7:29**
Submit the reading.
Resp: **1:20**
